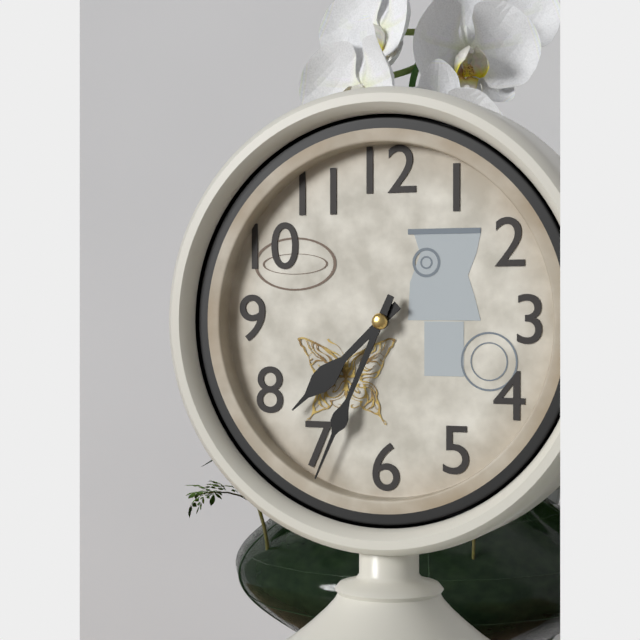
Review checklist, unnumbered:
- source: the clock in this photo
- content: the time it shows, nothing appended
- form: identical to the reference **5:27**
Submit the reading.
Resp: **7:34**
